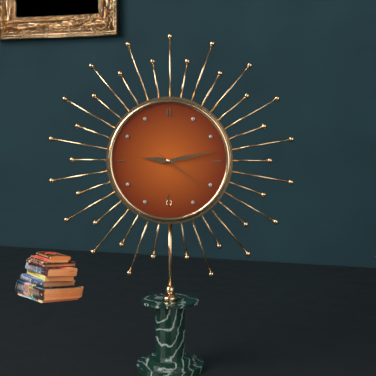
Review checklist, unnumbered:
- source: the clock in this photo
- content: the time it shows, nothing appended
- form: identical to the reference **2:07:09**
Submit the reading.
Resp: **9:13:21**
